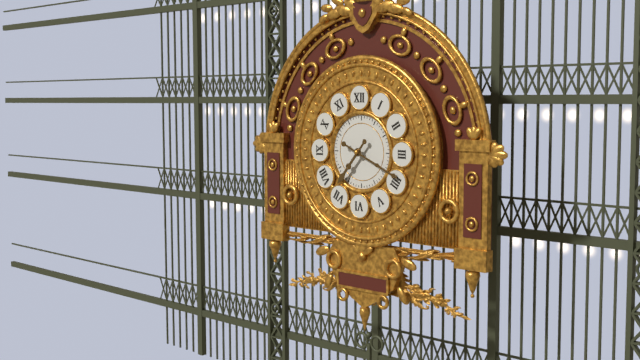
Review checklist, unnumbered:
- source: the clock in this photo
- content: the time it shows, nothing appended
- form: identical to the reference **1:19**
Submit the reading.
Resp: **7:19**
